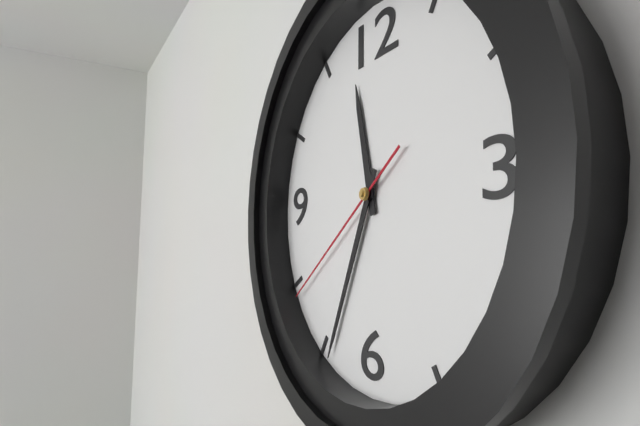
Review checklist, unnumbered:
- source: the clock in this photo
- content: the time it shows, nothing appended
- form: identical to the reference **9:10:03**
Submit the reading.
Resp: **11:34:39**
